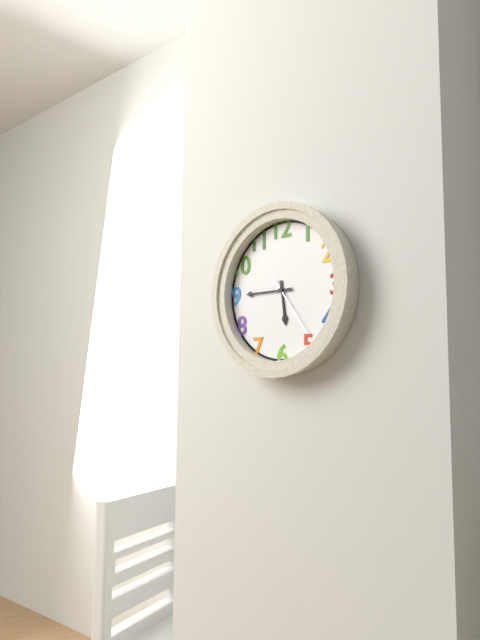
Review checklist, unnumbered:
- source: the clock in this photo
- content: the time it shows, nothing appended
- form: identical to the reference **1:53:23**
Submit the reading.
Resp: **5:45:24**
